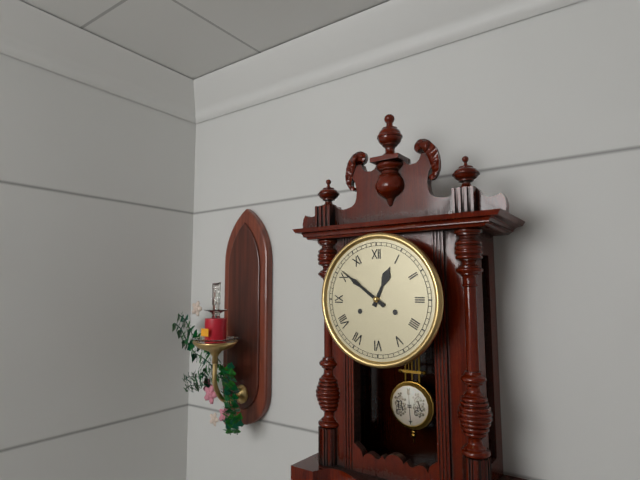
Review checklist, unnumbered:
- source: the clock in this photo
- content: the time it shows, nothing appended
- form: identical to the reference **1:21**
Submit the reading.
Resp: **12:51**
